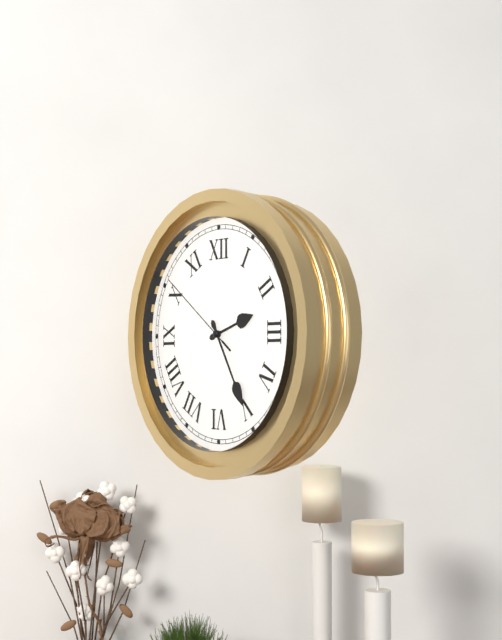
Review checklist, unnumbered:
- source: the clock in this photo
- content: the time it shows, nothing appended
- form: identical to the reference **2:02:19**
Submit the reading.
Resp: **2:25:51**
